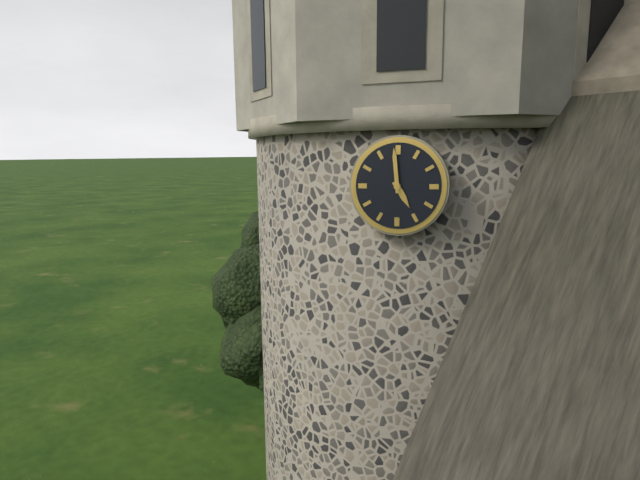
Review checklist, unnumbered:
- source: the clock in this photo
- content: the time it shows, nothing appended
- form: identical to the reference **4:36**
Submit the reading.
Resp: **4:59**
